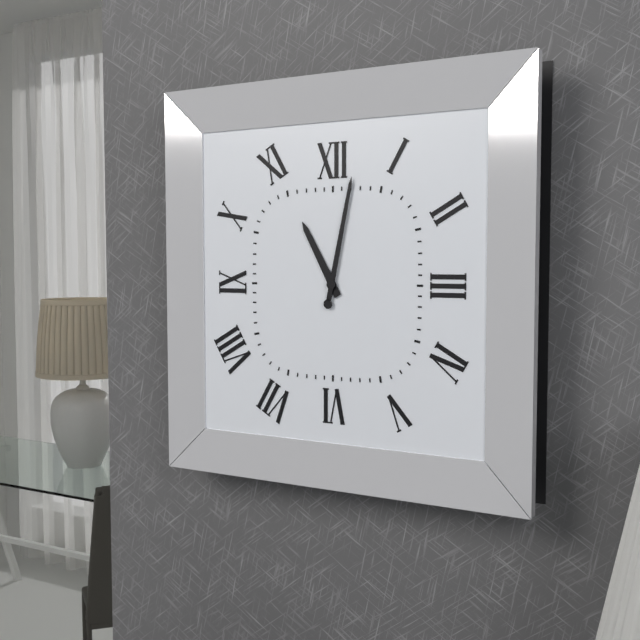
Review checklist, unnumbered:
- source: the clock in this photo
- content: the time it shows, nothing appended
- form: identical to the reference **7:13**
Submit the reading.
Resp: **11:02**
